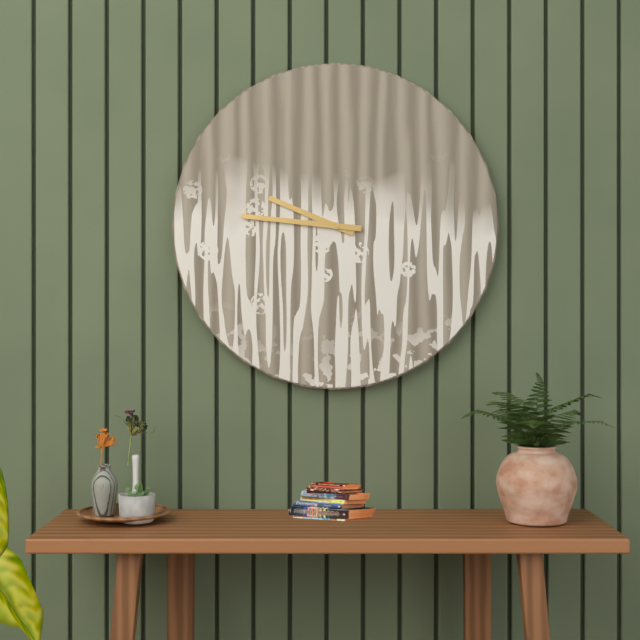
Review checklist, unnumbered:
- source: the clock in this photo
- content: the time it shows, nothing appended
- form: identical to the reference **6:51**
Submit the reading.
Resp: **9:46**
